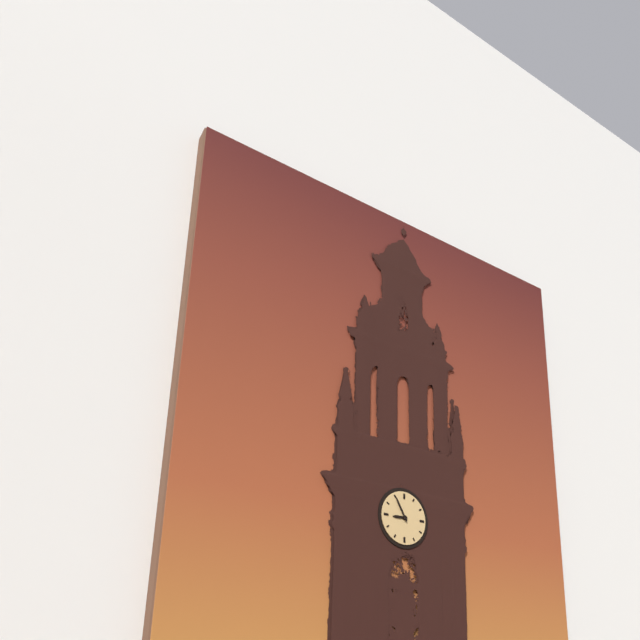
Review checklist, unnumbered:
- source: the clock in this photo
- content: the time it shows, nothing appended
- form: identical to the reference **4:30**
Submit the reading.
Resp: **8:55**
